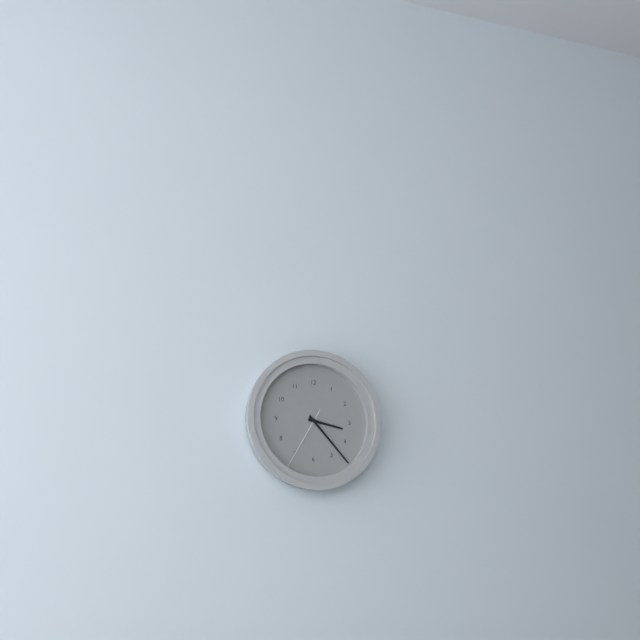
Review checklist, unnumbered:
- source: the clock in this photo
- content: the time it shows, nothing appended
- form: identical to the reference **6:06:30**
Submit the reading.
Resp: **3:23:35**
